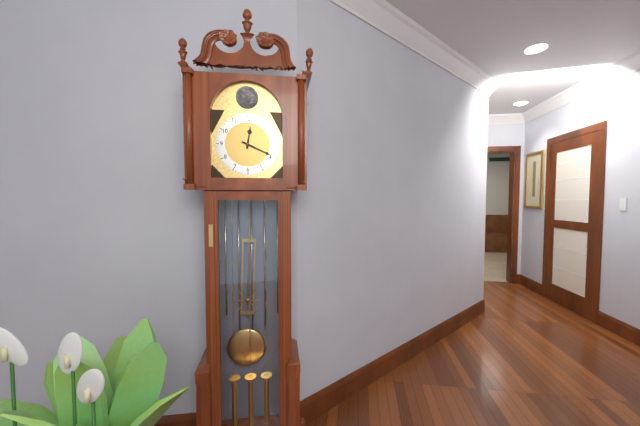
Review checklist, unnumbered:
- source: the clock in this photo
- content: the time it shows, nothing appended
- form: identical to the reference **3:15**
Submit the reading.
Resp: **12:19**
